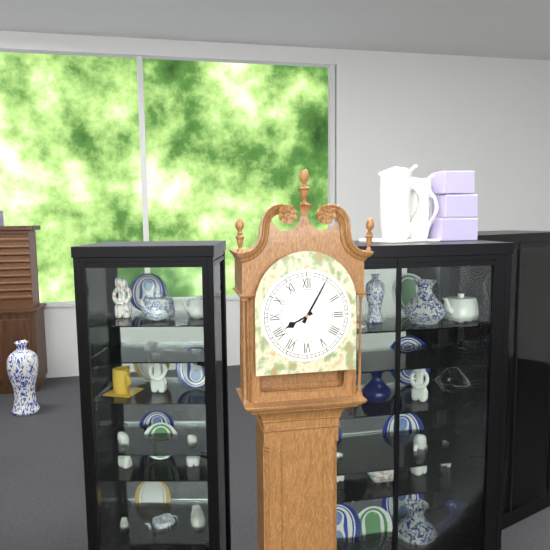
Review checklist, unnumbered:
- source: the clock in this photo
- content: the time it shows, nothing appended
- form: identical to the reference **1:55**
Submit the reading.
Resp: **8:05**
